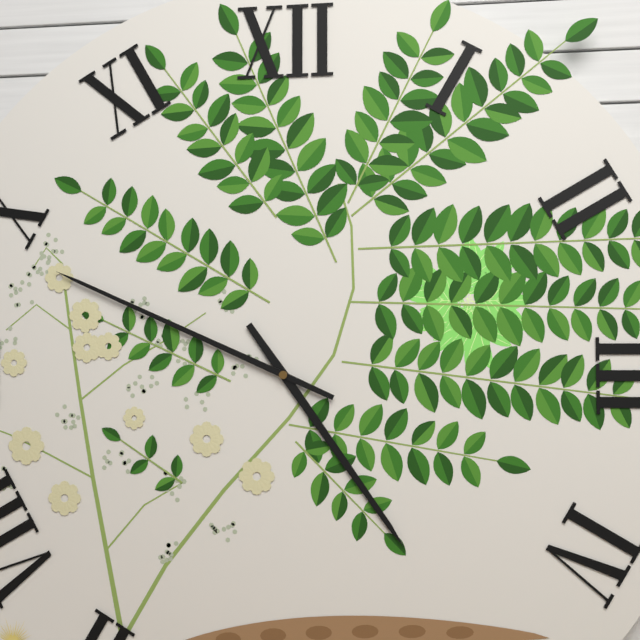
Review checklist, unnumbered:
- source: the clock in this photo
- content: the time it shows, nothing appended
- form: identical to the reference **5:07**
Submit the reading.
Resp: **4:49**
